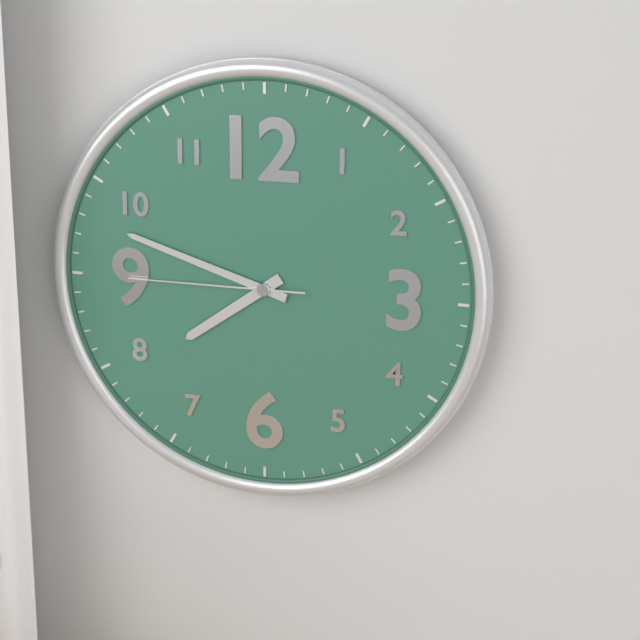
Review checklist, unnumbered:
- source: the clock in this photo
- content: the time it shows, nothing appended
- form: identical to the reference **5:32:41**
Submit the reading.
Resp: **7:48:45**
